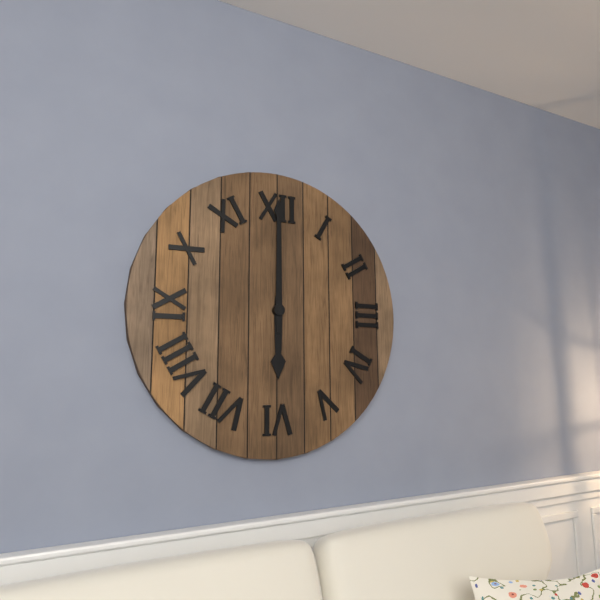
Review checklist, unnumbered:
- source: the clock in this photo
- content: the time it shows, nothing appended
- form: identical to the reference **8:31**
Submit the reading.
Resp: **6:00**
